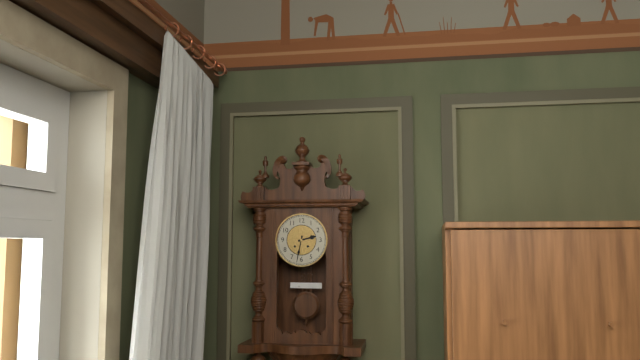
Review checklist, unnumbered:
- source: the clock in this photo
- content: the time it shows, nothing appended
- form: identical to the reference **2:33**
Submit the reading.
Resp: **2:32**
